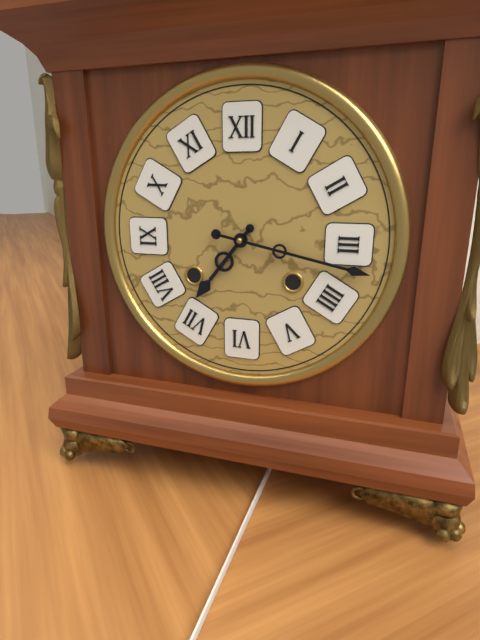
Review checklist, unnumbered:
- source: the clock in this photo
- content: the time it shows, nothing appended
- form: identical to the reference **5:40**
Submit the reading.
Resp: **7:17**
